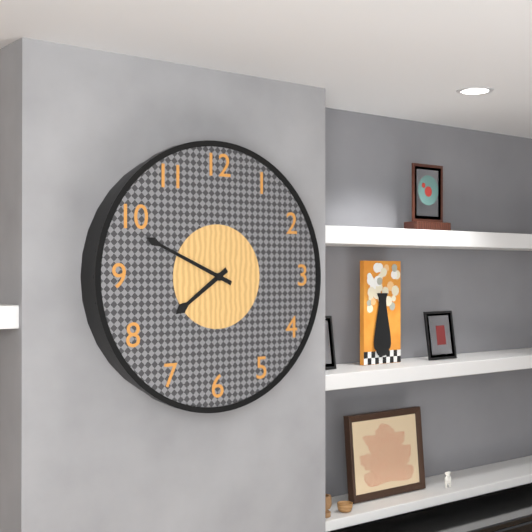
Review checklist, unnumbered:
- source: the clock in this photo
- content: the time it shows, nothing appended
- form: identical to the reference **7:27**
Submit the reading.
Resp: **7:49**
